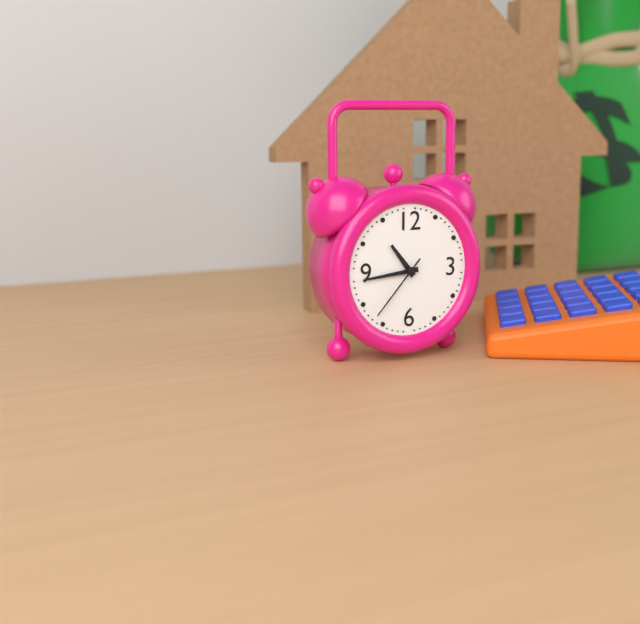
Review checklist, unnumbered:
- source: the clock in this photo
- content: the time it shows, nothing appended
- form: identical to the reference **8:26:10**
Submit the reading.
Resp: **10:44:37**
